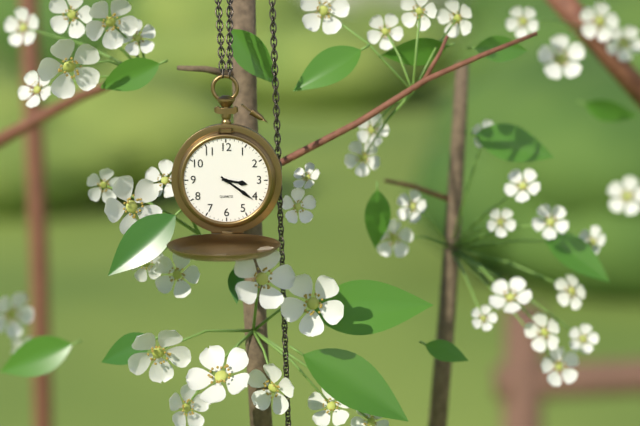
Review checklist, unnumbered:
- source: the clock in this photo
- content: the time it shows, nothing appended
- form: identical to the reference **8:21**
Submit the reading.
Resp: **3:21**
